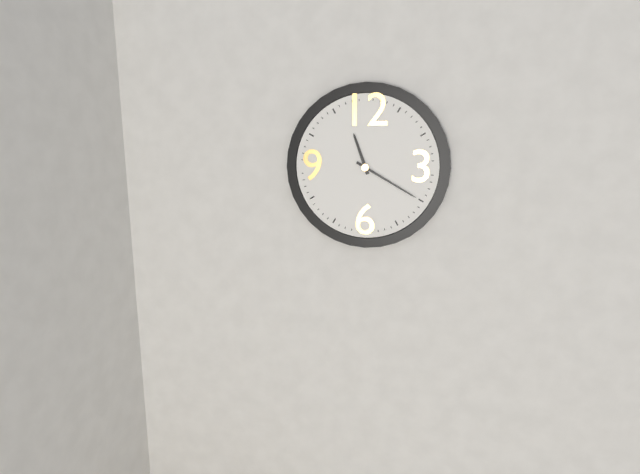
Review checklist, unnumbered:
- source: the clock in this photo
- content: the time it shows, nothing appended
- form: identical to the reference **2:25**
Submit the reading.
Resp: **11:20**
